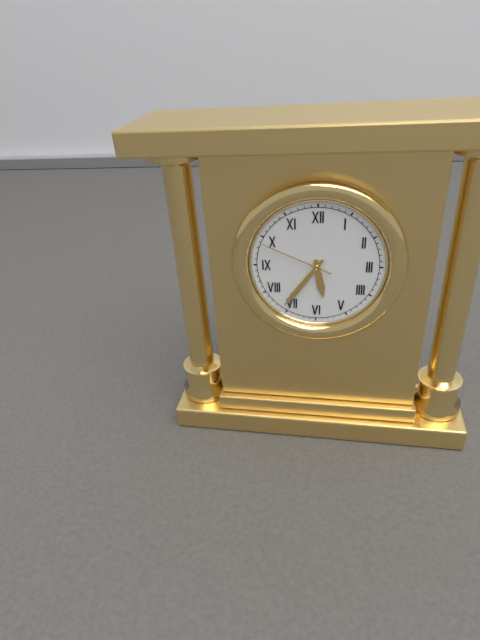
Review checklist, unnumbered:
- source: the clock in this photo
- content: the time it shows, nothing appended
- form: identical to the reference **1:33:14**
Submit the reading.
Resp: **5:36:49**
